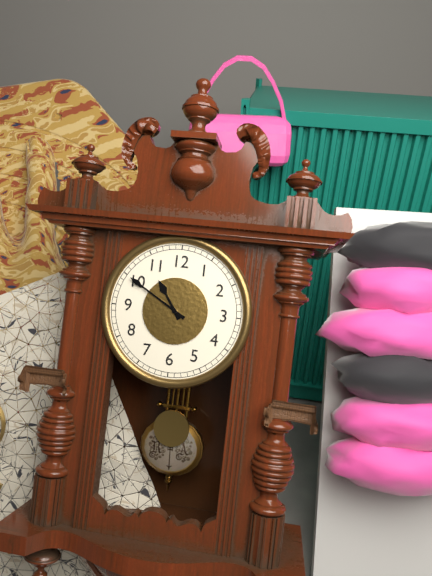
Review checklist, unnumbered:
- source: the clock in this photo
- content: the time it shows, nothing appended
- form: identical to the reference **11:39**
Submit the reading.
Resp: **10:50**
